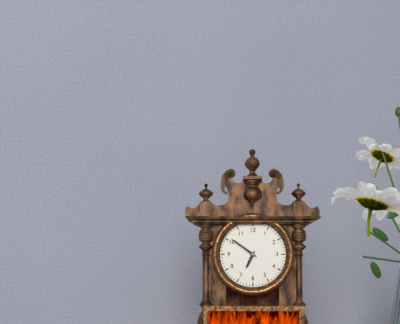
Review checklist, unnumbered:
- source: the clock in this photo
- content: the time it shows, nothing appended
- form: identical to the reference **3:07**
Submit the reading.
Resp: **6:51**
